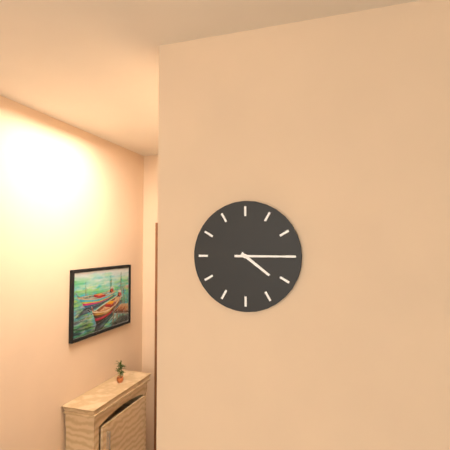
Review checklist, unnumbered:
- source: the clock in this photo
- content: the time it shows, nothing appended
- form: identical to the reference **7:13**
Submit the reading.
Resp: **4:15**
